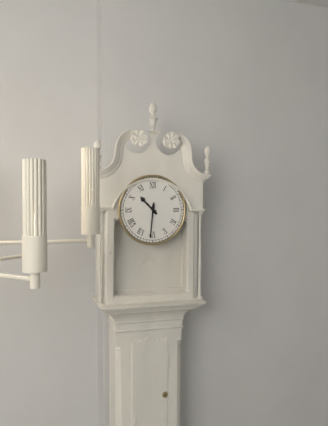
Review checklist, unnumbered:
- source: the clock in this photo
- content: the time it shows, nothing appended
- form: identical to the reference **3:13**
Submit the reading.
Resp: **10:31**
